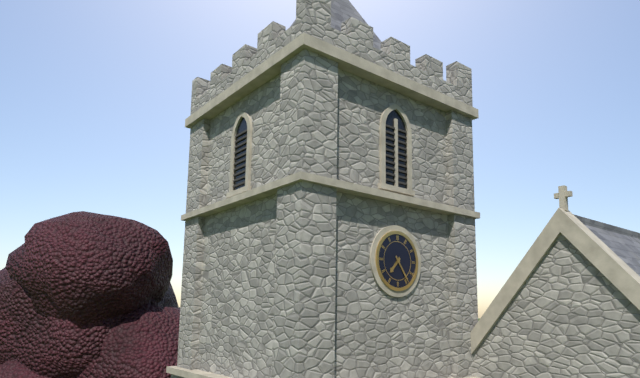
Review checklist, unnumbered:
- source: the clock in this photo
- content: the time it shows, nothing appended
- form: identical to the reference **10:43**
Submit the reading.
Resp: **7:24**
